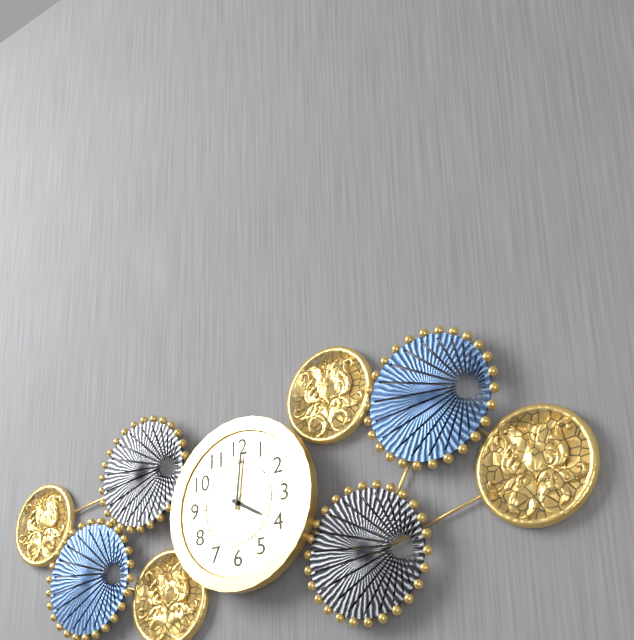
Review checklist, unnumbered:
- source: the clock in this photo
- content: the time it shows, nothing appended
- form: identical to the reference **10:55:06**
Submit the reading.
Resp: **4:01:08**
